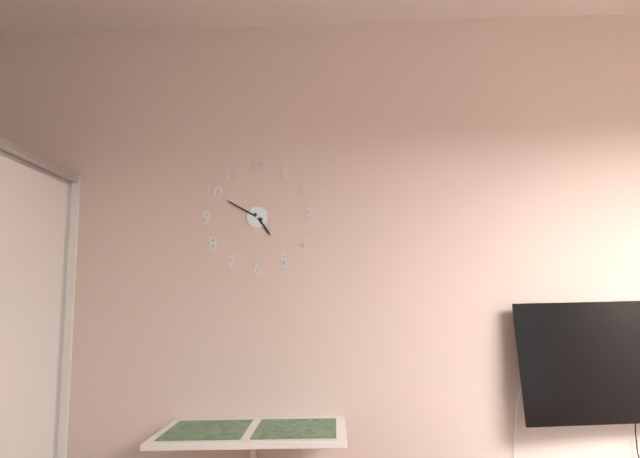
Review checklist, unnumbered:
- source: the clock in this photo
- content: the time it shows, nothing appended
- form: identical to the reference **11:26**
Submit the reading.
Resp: **4:50**
